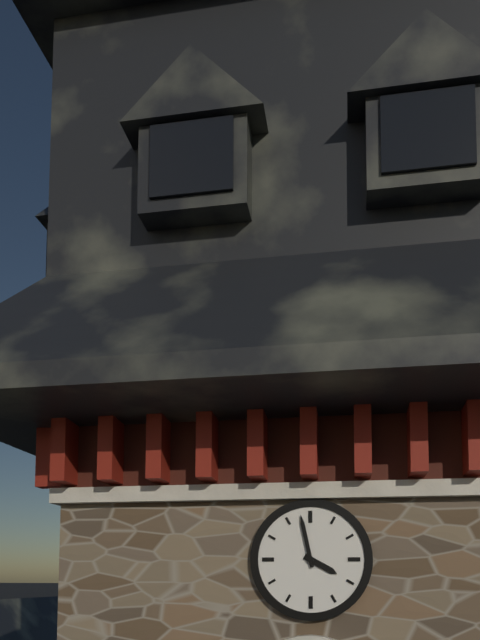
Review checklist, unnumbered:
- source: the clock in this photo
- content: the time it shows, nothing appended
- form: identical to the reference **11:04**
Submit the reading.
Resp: **3:58**
